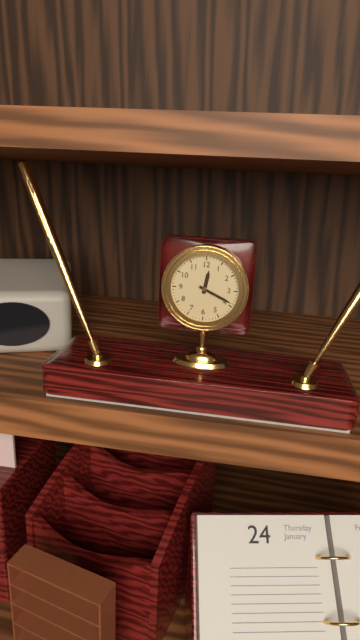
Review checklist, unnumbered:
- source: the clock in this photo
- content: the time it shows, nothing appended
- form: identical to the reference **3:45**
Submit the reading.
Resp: **12:19**
